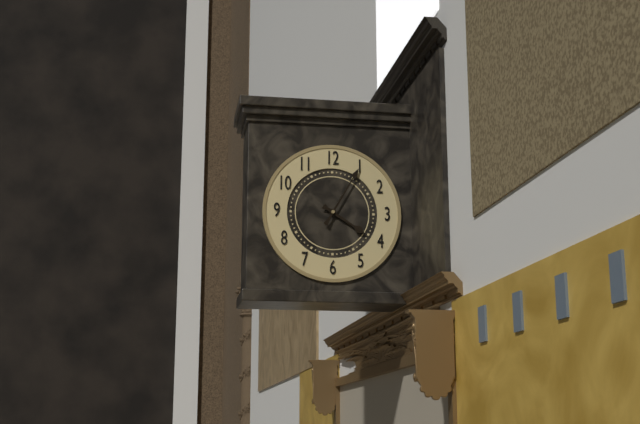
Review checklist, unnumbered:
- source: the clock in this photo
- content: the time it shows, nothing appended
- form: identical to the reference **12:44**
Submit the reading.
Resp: **4:05**
